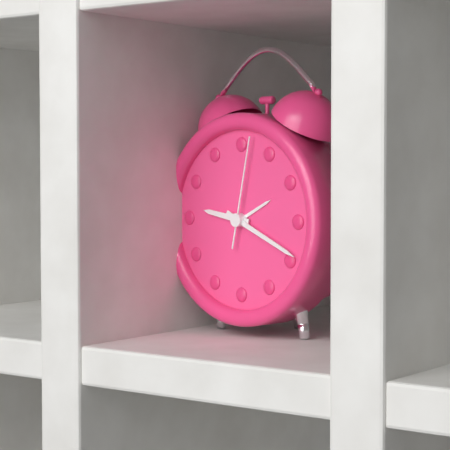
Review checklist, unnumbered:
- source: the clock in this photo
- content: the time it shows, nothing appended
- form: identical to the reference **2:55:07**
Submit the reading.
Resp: **9:19:02**
